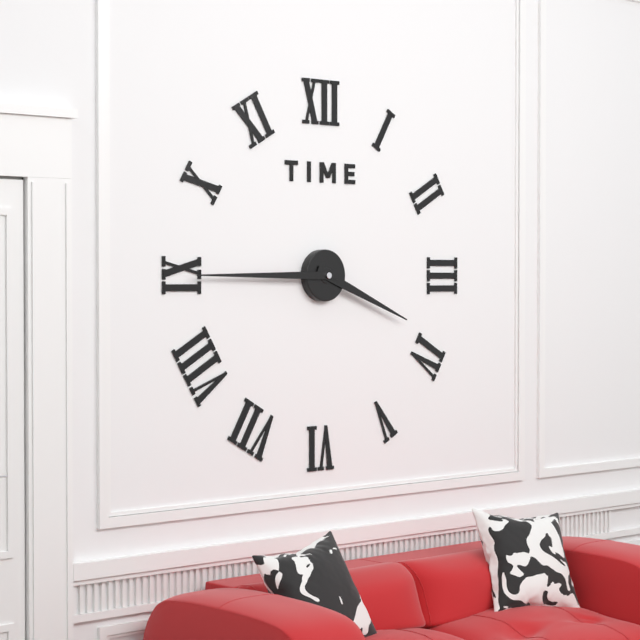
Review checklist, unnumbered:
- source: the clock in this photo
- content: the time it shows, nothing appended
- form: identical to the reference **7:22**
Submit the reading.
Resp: **3:45**
